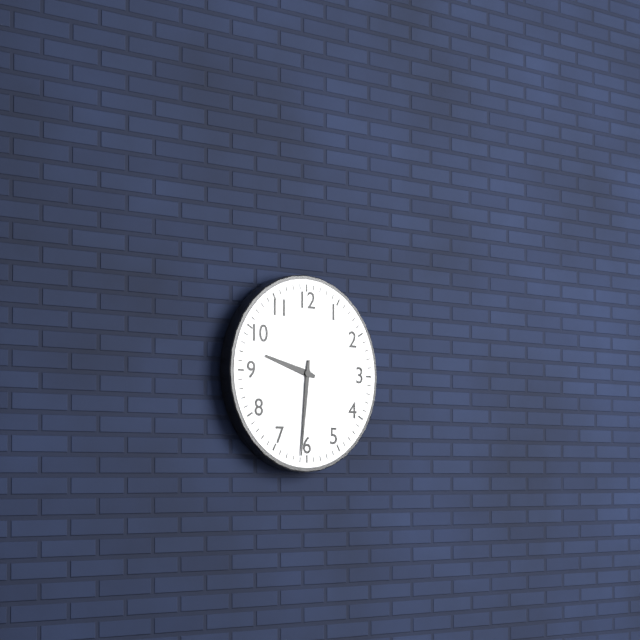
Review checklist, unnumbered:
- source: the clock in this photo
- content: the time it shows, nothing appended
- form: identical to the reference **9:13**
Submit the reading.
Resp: **9:31**
